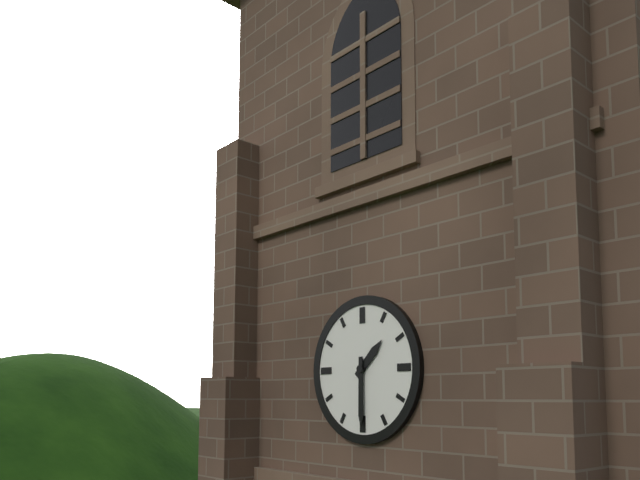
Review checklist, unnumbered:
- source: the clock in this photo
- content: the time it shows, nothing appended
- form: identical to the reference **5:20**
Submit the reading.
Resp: **1:30**
